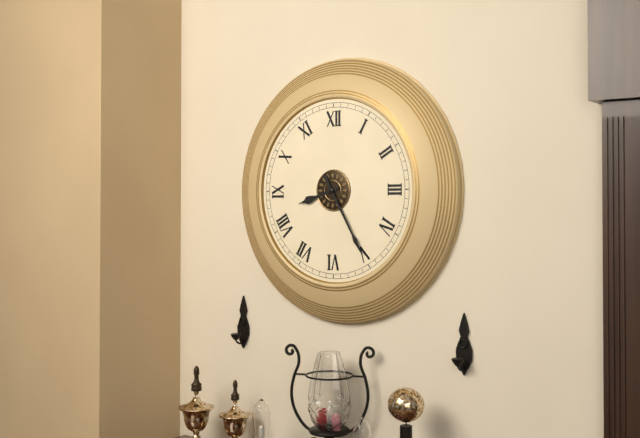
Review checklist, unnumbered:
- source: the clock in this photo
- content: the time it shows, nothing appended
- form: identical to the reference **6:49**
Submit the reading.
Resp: **8:25**
